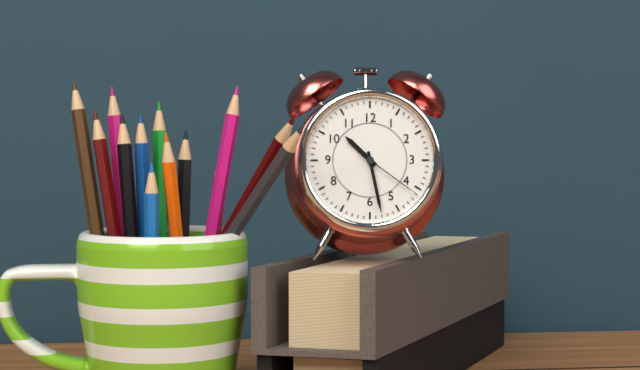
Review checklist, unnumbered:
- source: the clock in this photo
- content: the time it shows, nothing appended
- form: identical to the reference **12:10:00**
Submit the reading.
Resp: **10:28:21**
